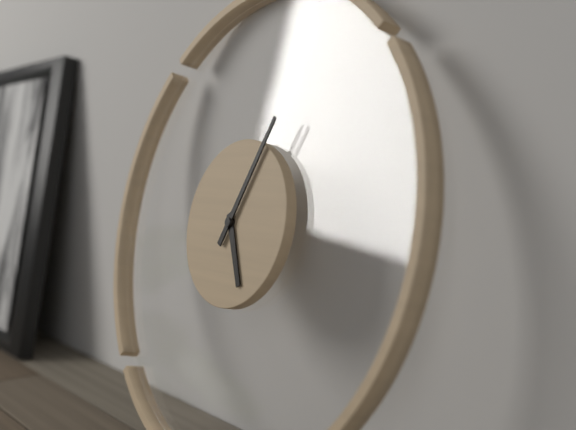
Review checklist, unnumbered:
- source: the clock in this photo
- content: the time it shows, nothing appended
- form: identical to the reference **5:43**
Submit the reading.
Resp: **5:04**
